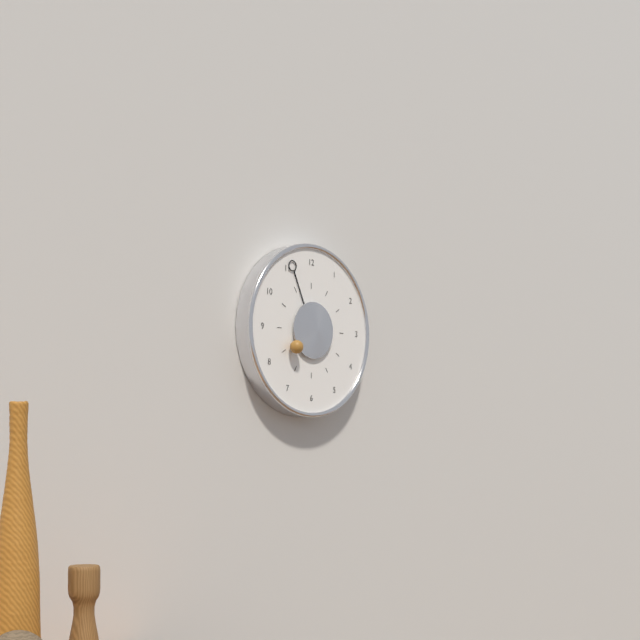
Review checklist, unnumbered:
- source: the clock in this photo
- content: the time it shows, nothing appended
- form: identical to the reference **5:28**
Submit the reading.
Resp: **7:56**
